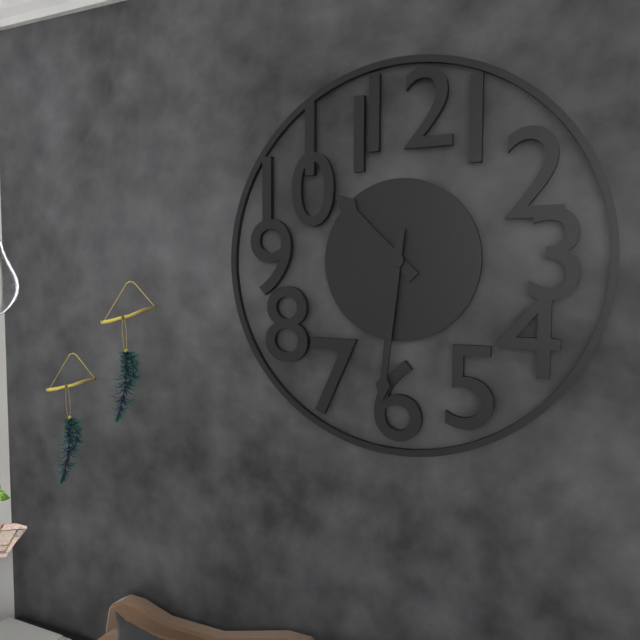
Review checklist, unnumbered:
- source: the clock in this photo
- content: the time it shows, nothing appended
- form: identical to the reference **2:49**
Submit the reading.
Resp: **10:31**
